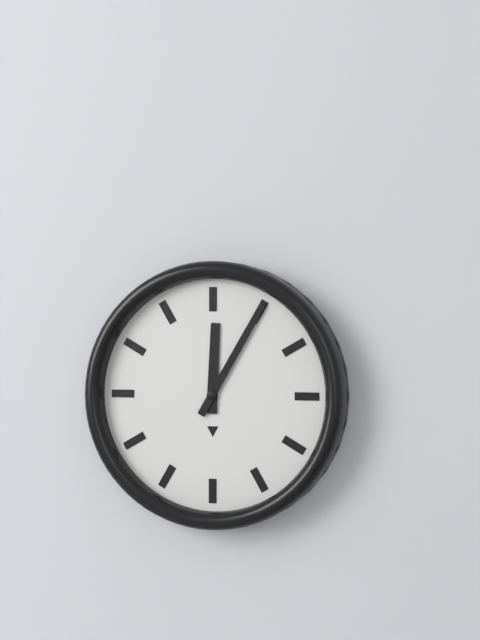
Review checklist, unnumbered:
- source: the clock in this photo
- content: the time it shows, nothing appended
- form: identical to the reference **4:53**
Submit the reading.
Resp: **12:05**
